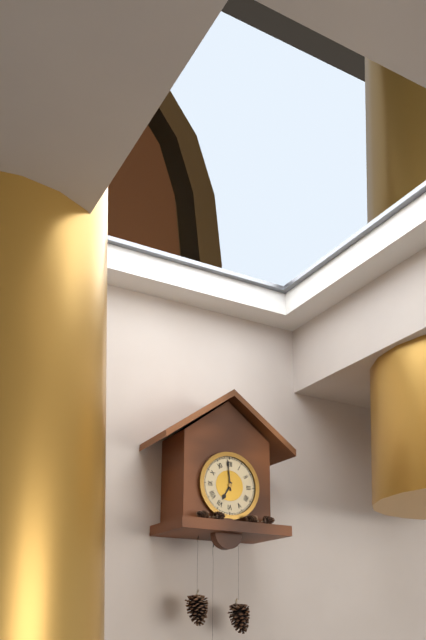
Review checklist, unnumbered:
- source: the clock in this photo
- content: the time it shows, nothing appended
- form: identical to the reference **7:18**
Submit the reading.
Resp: **6:59**
